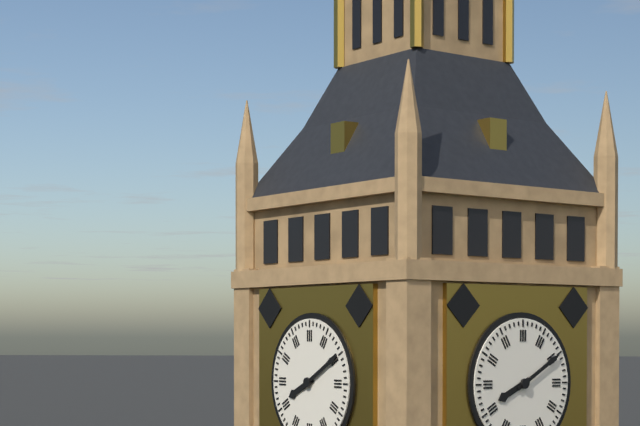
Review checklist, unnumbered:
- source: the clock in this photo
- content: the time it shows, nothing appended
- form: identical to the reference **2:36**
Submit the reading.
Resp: **8:10**
